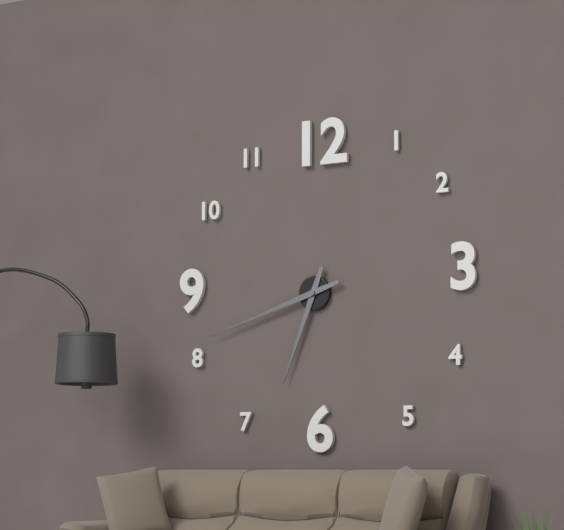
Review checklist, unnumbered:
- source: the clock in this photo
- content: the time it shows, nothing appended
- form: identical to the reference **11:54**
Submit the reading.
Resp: **6:42**
